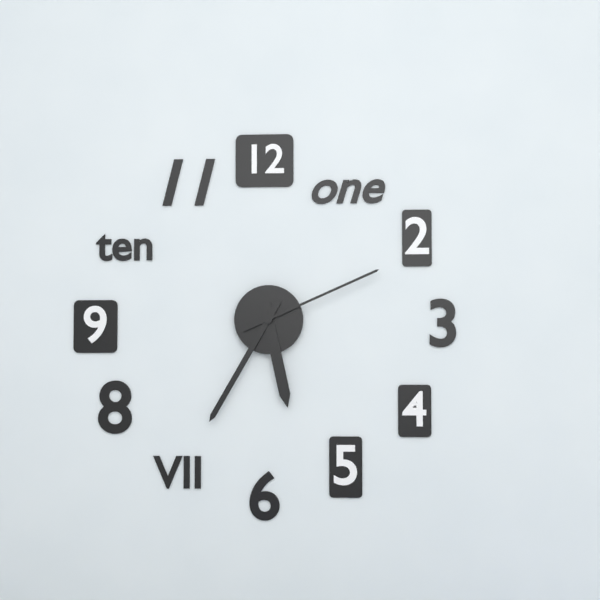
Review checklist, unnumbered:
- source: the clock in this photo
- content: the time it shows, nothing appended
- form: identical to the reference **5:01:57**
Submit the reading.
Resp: **5:35:11**
